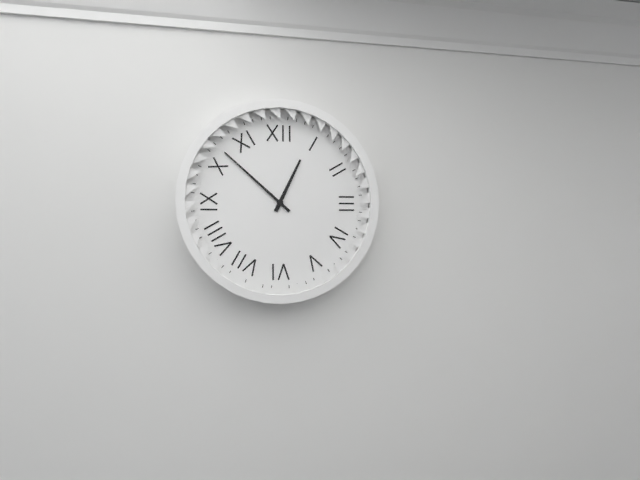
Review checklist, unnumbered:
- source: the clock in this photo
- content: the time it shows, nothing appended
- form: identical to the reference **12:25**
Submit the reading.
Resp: **12:52**
